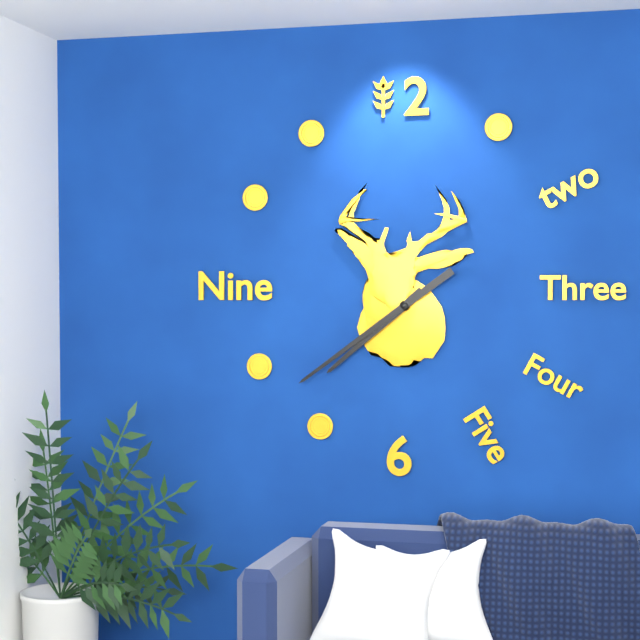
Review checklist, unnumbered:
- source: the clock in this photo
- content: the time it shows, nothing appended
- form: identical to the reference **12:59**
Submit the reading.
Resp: **7:39**
